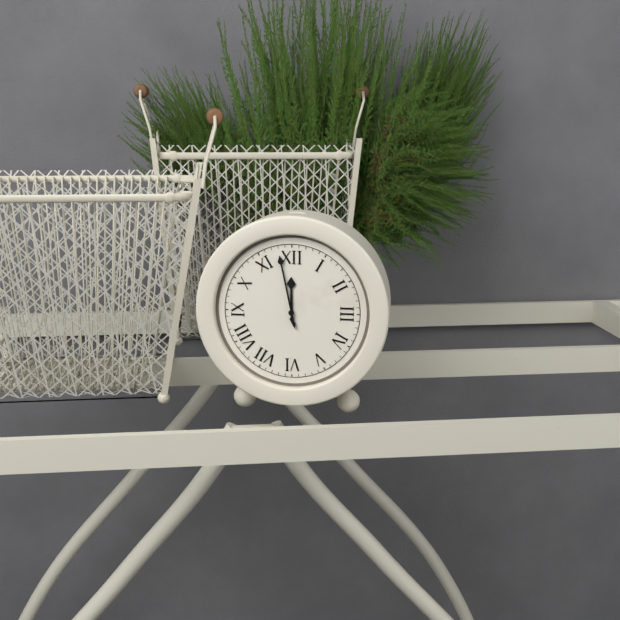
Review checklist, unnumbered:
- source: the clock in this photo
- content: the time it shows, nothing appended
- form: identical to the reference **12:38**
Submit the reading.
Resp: **11:58**
